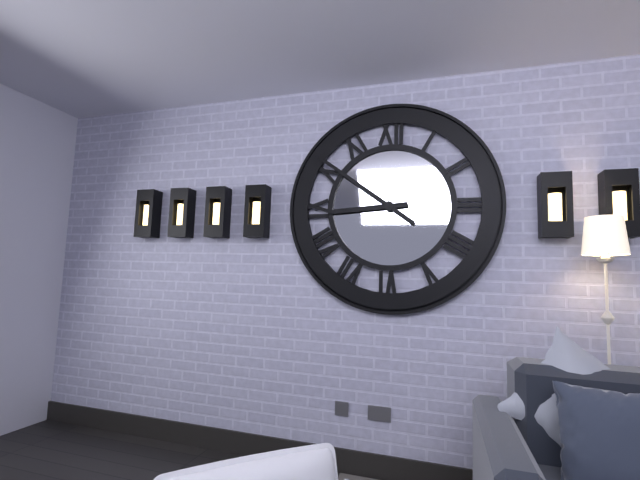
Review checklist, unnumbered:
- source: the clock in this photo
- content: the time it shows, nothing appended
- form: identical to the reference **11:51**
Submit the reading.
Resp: **8:51**
